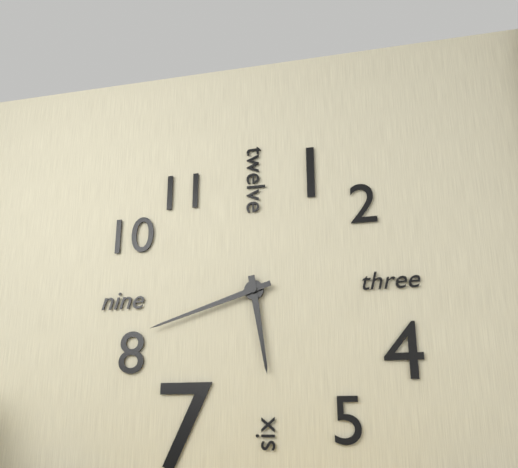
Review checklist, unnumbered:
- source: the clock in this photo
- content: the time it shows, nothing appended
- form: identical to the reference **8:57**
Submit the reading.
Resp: **5:42**
